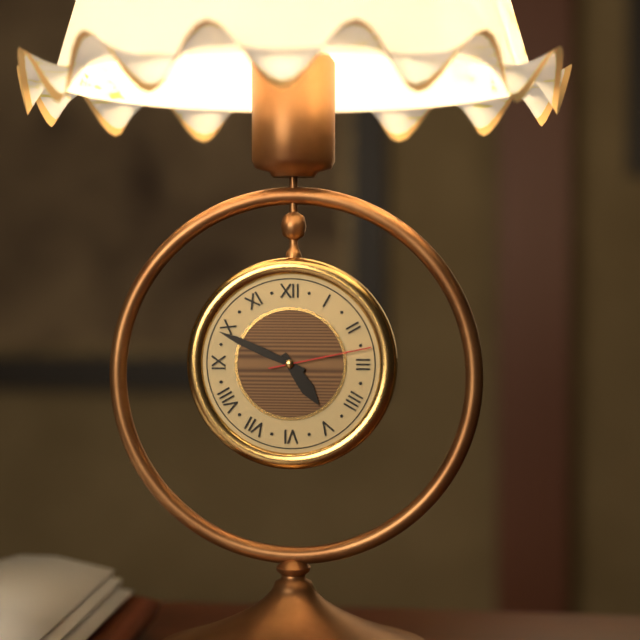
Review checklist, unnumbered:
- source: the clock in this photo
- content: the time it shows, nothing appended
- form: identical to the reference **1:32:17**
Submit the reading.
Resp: **4:49:13**
